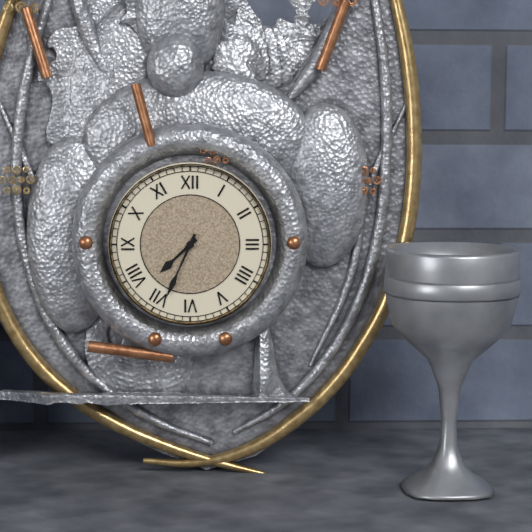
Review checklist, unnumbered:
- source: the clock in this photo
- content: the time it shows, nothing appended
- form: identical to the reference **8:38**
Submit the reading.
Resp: **7:34**
